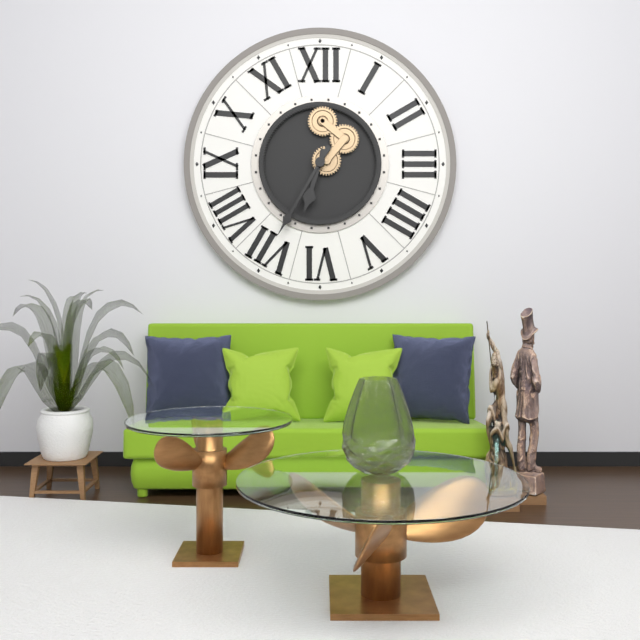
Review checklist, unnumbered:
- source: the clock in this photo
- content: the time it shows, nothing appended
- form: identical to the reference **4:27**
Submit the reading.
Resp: **6:35**
